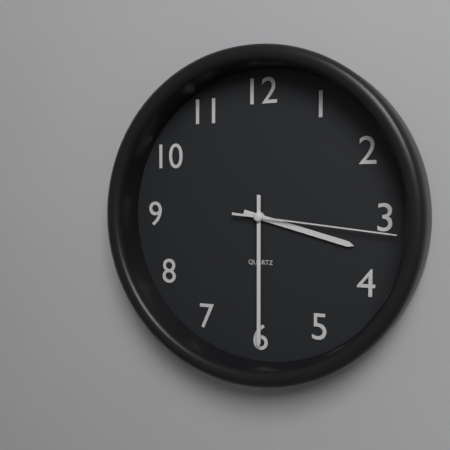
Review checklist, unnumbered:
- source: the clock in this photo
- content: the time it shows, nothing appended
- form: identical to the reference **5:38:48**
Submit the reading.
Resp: **3:30:16**
